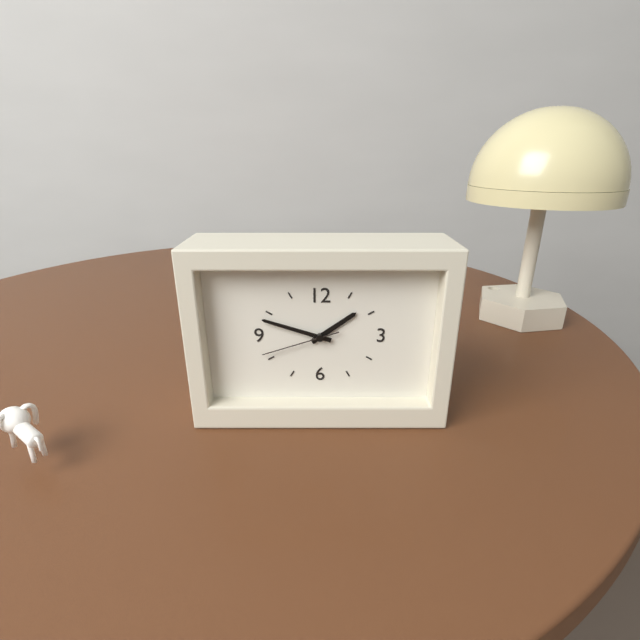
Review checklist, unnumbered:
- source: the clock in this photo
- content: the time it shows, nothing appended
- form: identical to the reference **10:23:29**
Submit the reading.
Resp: **1:48:42**
